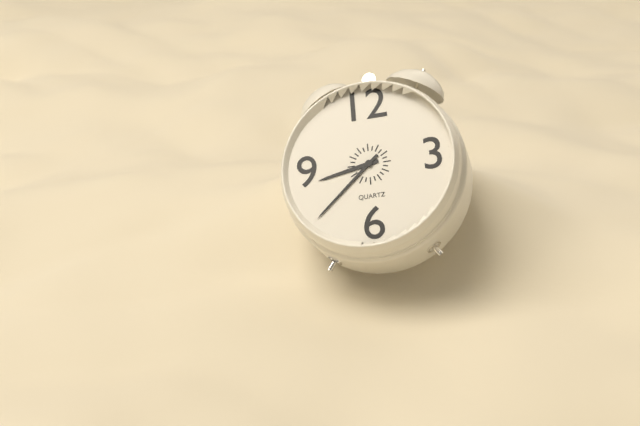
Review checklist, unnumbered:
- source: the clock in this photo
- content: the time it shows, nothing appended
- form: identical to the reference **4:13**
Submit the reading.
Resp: **8:38**
